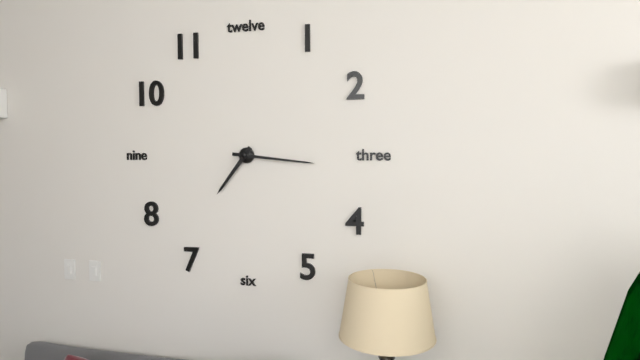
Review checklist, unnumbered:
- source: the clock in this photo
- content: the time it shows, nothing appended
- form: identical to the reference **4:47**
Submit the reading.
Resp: **7:16**
